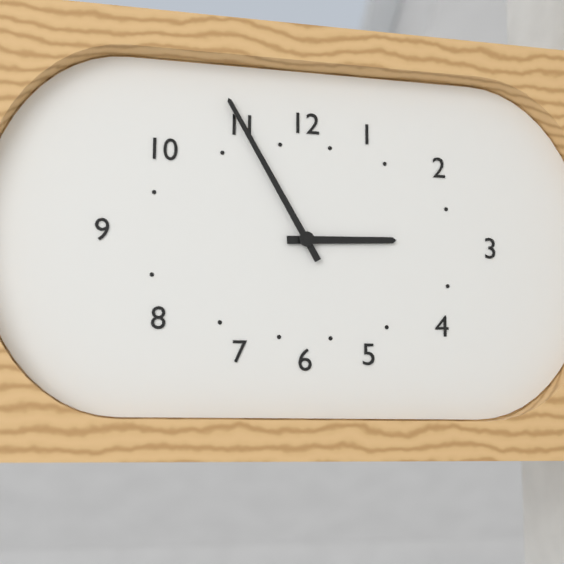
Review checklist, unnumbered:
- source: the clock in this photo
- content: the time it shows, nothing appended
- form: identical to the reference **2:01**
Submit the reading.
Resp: **2:55**
